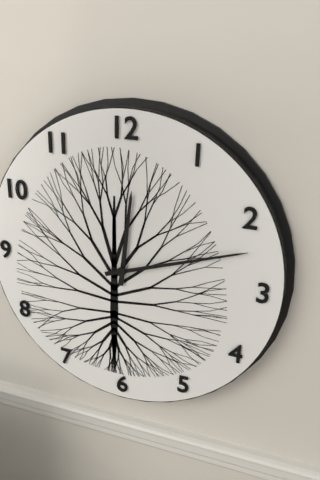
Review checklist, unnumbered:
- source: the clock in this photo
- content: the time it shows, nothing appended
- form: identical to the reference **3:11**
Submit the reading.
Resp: **12:12**
